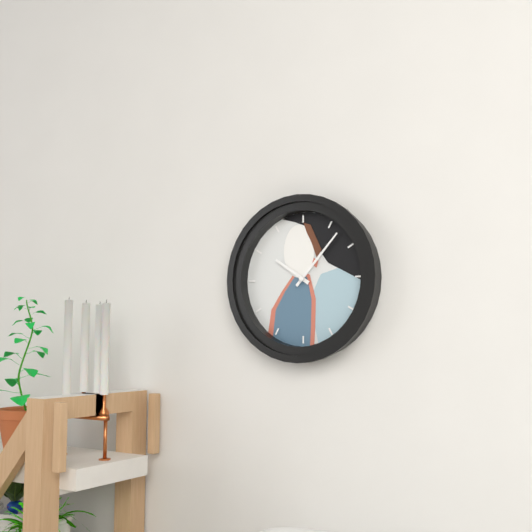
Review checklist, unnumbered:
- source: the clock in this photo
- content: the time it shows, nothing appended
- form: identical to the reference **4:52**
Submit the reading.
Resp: **10:07**
